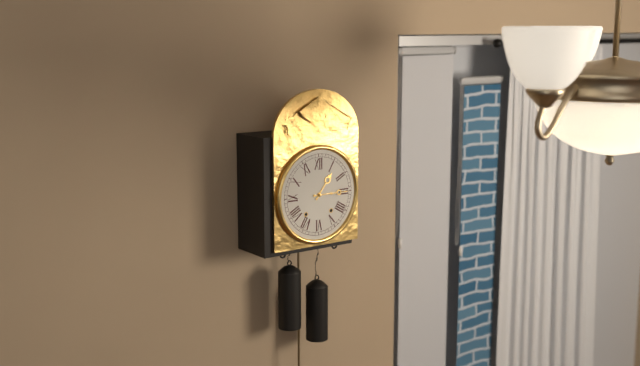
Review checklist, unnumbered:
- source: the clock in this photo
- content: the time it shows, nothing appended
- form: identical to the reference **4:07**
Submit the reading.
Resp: **1:15**
